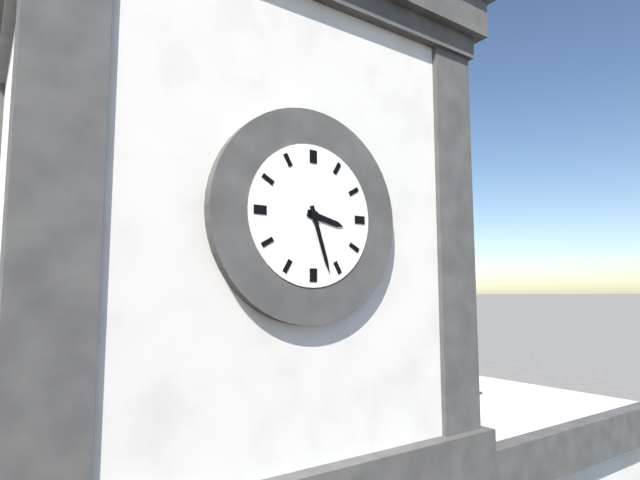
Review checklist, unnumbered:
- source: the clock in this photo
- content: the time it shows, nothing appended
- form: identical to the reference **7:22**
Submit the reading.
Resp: **3:27**
